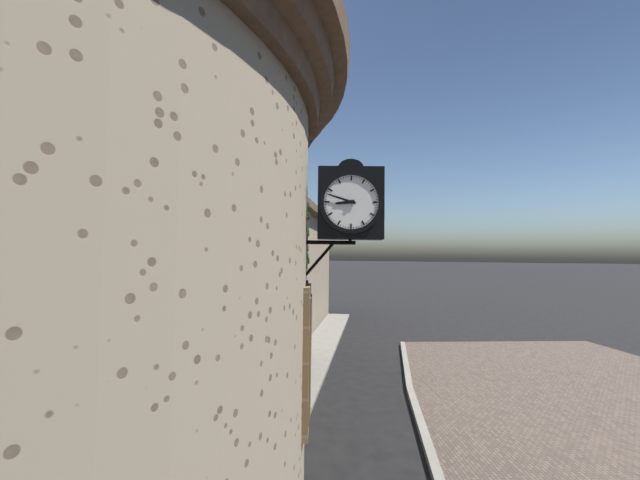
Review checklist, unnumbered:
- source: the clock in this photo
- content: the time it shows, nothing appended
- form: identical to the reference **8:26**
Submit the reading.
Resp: **8:48**
